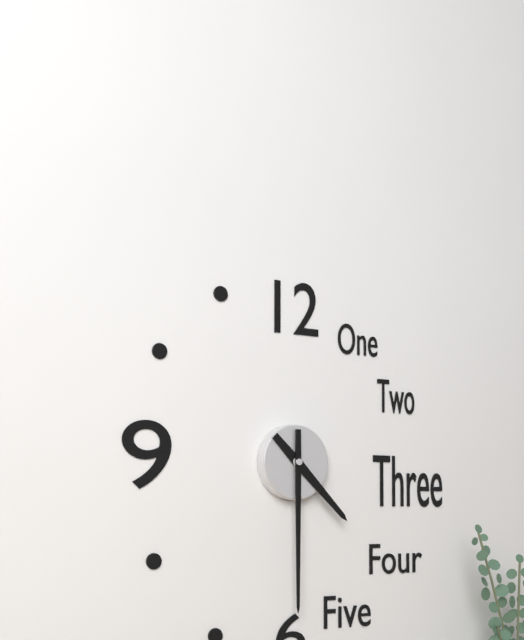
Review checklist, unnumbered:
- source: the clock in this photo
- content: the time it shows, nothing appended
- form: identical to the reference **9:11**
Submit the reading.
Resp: **4:30**
